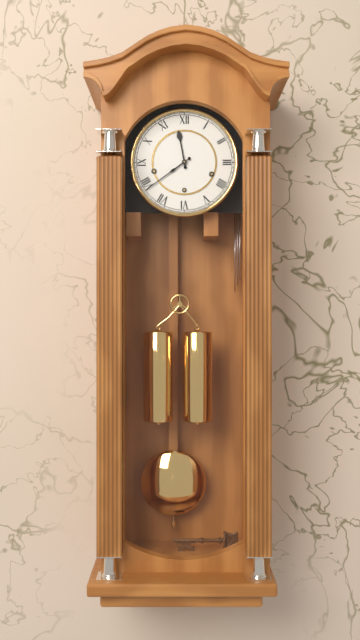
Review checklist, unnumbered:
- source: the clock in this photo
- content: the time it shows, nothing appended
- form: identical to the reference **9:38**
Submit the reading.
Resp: **11:39**
